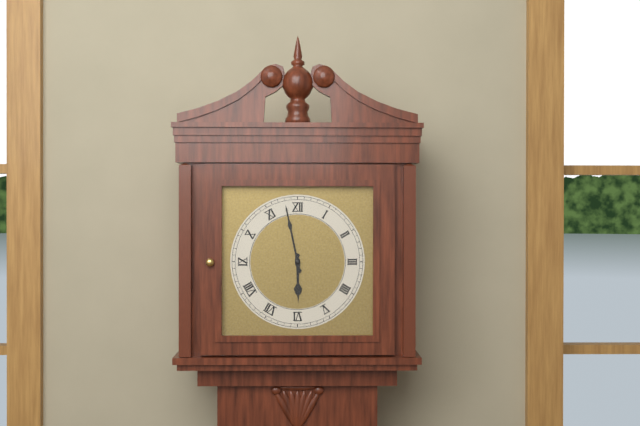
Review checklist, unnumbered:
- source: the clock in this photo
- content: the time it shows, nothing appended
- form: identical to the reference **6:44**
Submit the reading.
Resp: **5:58**
